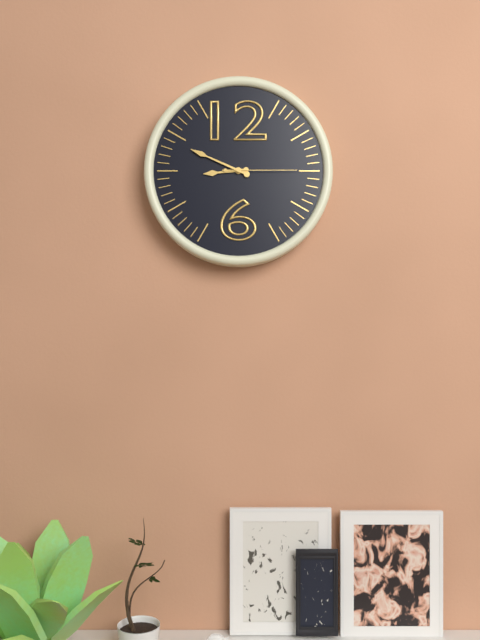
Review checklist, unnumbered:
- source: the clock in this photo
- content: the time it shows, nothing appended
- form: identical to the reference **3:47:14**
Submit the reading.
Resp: **8:49:15**
